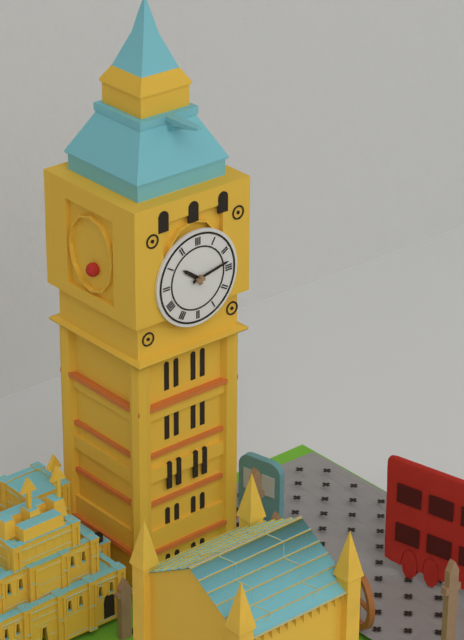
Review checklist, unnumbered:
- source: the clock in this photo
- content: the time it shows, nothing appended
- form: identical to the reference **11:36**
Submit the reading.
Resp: **10:13**
